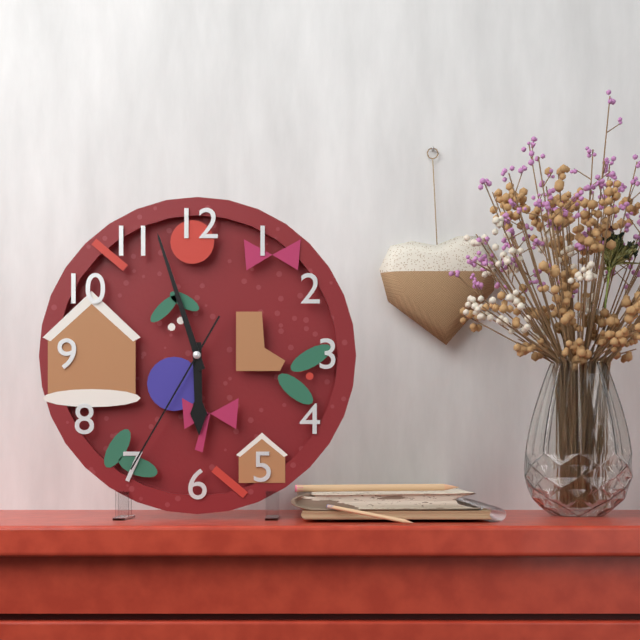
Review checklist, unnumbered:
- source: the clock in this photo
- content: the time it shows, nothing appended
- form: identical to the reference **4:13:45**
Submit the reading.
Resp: **5:57:35**
